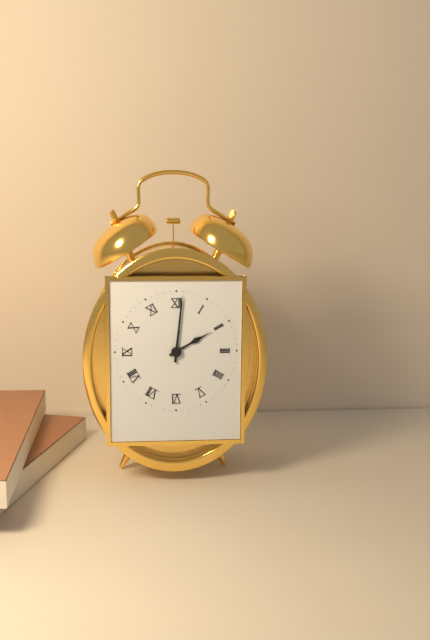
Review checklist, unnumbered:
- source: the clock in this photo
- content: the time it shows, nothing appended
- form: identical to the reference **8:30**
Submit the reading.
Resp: **2:01**
